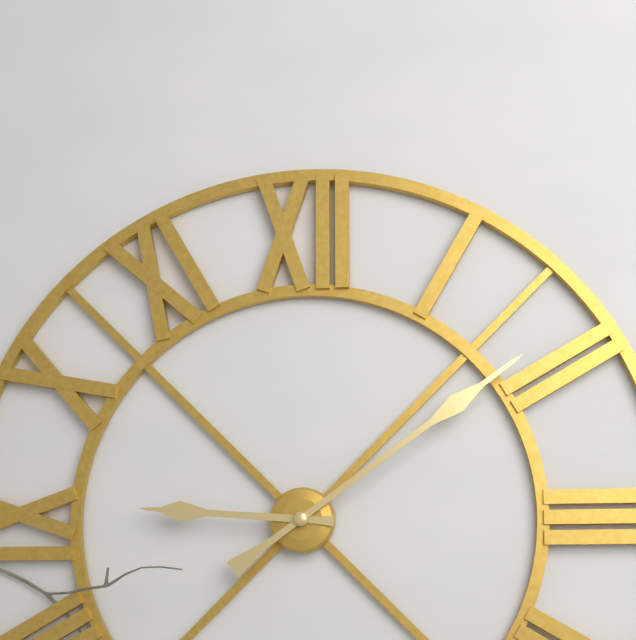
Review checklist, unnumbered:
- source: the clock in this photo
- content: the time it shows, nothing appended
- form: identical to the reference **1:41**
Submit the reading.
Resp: **9:09**
